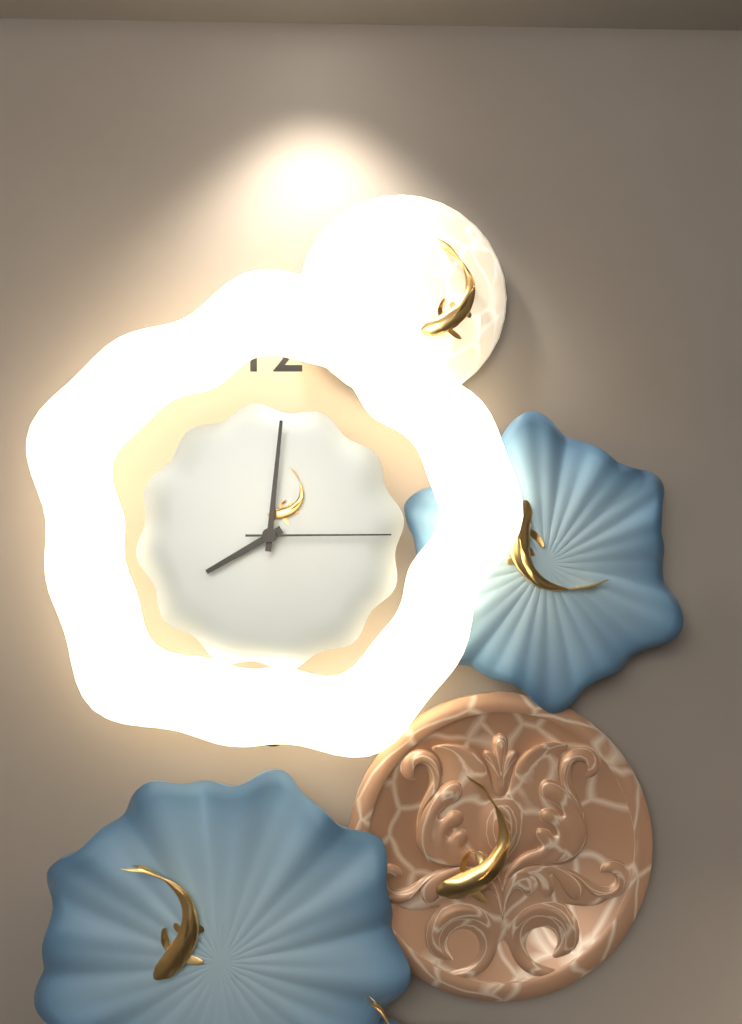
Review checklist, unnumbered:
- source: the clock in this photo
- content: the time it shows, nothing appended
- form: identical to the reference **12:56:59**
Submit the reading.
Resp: **8:01:15**
